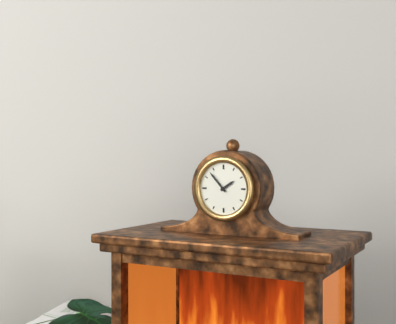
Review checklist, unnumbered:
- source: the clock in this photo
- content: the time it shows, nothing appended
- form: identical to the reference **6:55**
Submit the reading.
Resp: **1:53**
